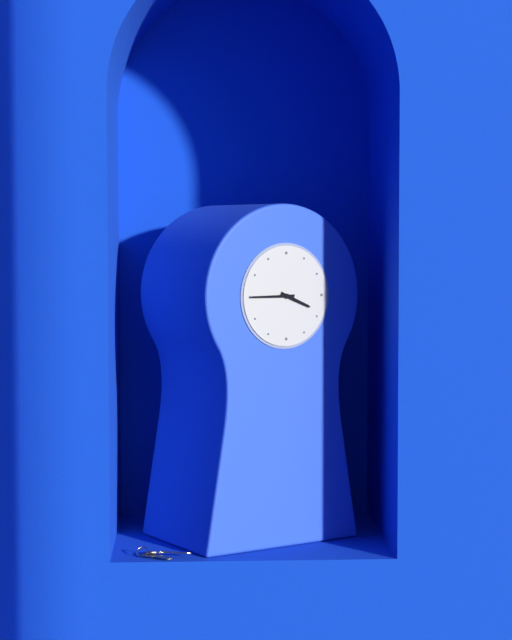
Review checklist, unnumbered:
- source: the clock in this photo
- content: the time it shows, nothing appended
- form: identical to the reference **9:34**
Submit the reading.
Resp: **3:45**
